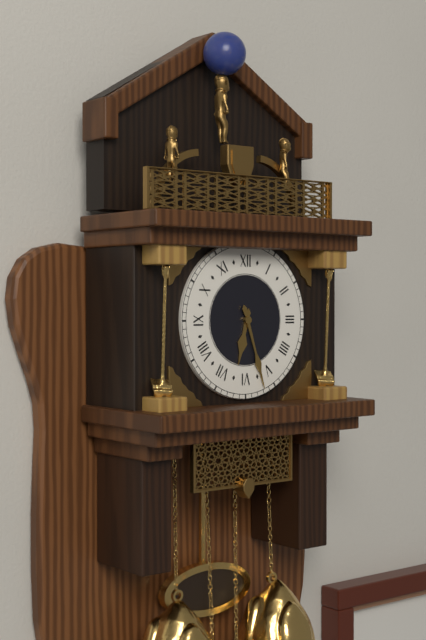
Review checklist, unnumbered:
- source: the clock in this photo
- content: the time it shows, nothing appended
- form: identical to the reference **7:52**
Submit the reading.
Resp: **6:27**
